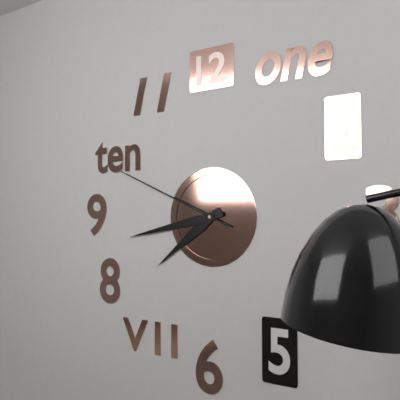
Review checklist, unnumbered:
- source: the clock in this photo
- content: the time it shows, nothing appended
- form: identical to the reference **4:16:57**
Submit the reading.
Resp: **7:43:49**
